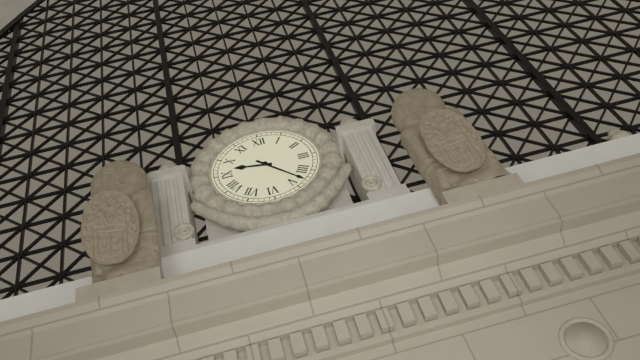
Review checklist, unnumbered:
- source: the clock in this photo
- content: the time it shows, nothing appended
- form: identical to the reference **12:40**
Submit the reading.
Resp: **9:23**
